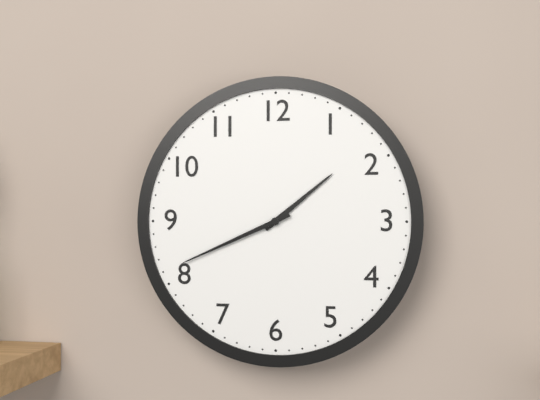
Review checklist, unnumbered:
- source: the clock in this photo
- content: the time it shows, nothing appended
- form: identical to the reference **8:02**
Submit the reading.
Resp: **1:41**
